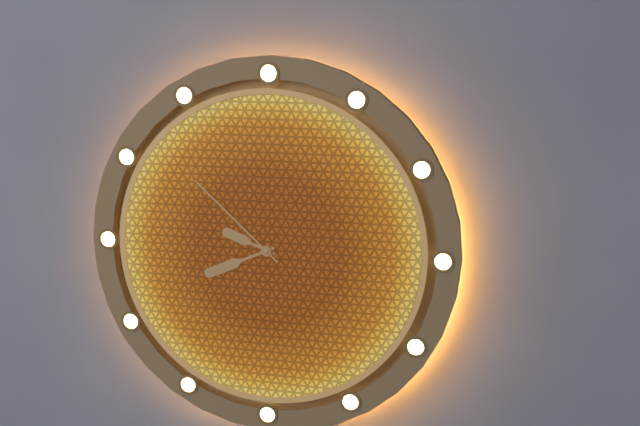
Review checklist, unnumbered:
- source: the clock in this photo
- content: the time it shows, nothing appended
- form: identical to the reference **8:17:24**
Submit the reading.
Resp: **9:41:52**
